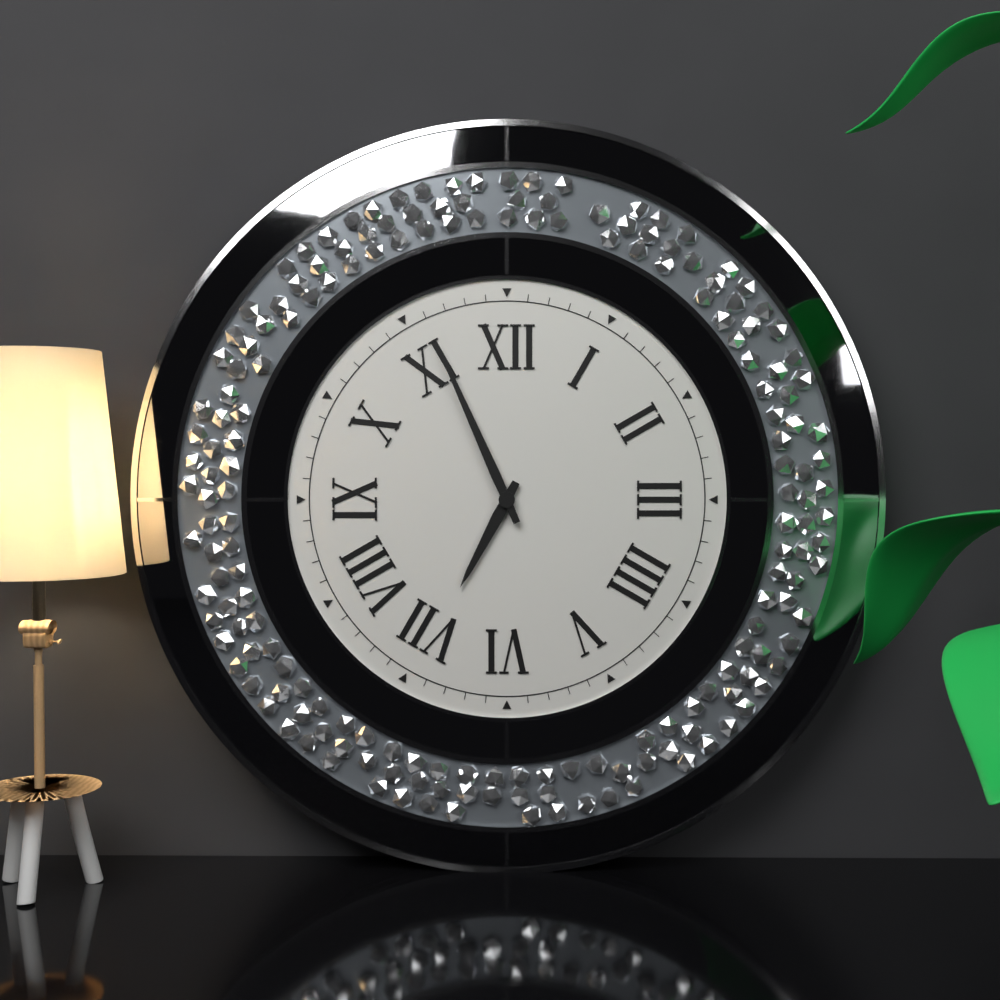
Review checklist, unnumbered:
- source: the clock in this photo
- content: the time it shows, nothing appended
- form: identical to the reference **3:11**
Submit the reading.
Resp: **6:56**
